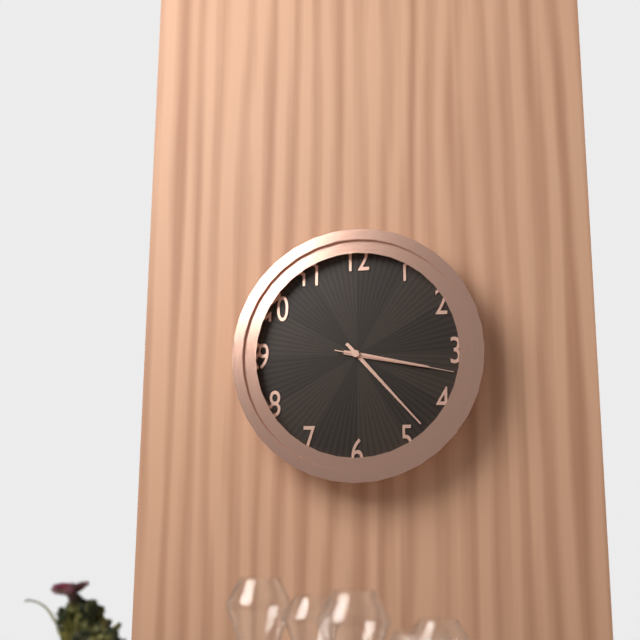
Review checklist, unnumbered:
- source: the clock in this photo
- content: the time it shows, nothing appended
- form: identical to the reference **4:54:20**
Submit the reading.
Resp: **3:23:17**
